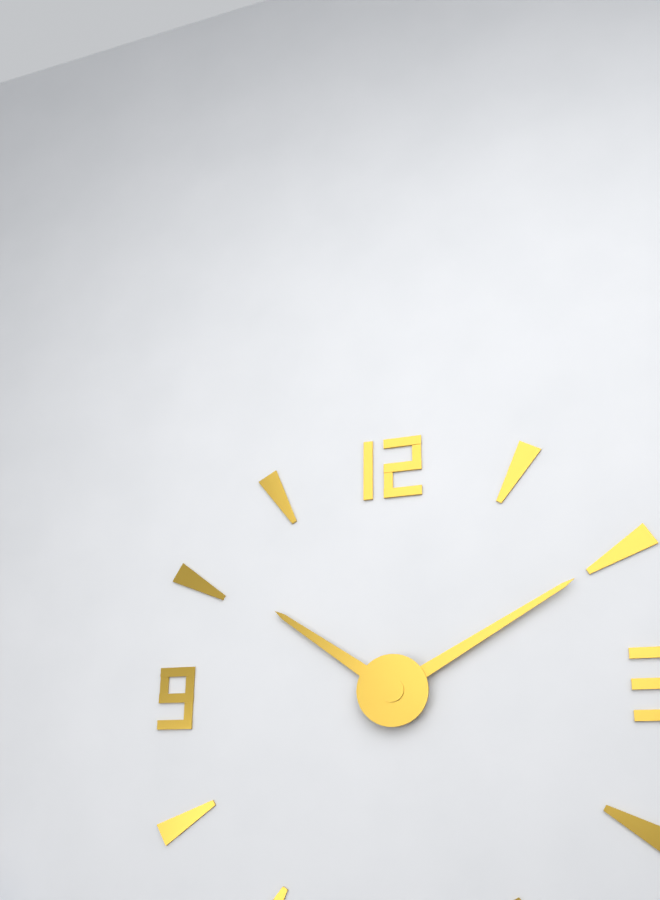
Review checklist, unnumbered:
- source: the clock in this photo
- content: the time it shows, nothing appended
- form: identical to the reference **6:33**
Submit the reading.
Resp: **10:10**
